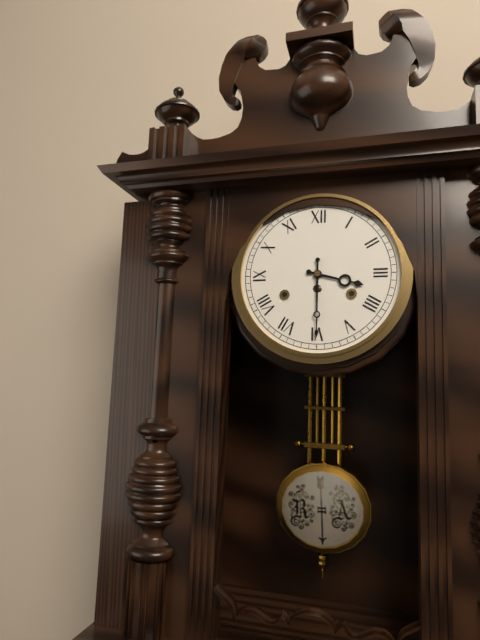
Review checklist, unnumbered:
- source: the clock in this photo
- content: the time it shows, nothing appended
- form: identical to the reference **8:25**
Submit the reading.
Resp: **3:30**
